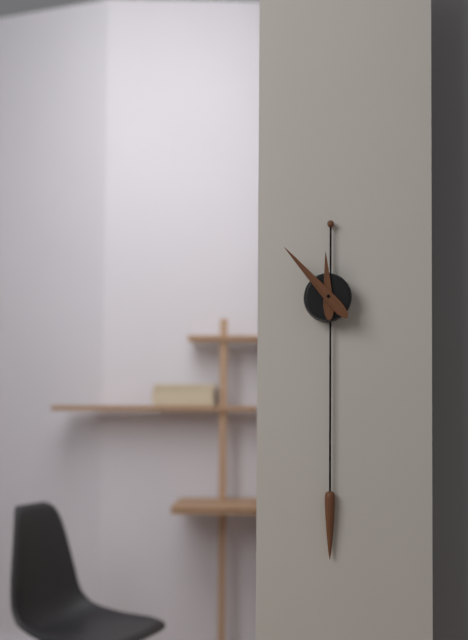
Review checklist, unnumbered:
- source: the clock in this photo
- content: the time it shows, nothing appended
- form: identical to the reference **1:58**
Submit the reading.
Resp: **11:53**
